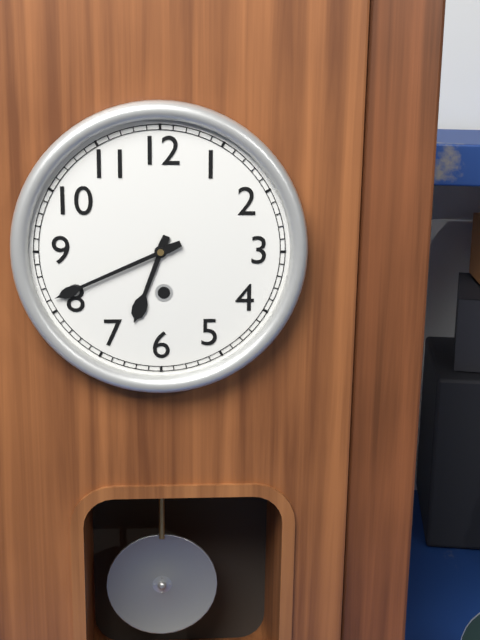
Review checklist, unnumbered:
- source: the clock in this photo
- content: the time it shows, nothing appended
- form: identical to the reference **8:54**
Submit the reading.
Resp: **6:41**
